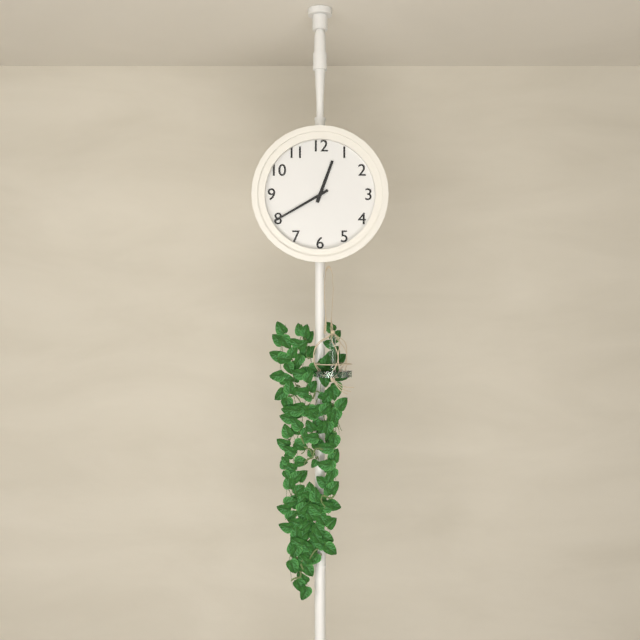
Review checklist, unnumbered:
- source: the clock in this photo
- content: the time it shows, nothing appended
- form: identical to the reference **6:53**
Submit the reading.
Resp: **12:40**
